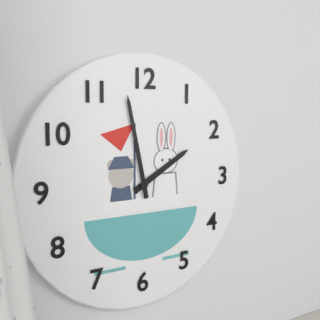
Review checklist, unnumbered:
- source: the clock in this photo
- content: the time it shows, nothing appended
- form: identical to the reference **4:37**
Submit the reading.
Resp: **1:58**
